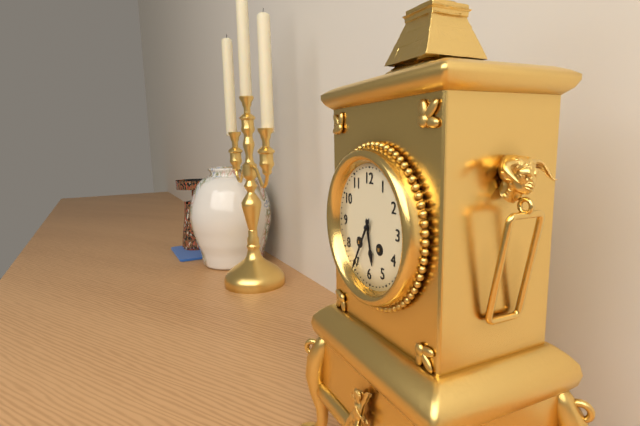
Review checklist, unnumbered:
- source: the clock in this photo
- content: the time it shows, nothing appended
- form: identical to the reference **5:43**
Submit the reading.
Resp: **5:35**
